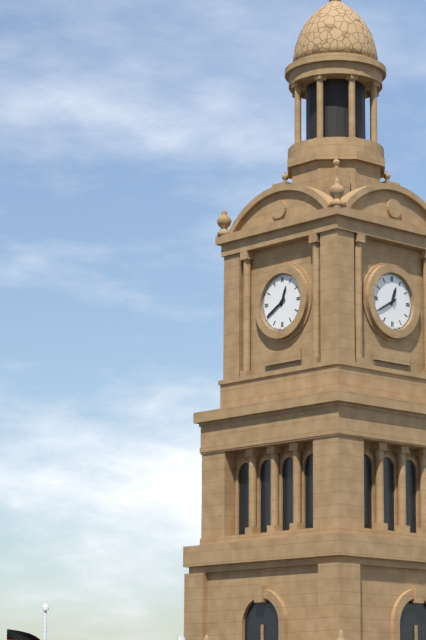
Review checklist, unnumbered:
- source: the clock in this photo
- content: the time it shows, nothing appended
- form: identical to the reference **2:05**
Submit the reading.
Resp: **12:40**
